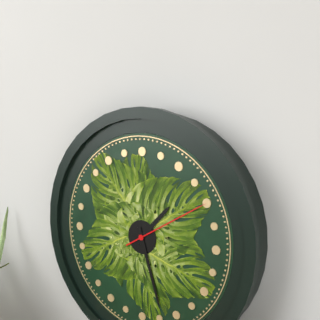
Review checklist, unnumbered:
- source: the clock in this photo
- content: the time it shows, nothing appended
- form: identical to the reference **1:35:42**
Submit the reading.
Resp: **1:27:10**
